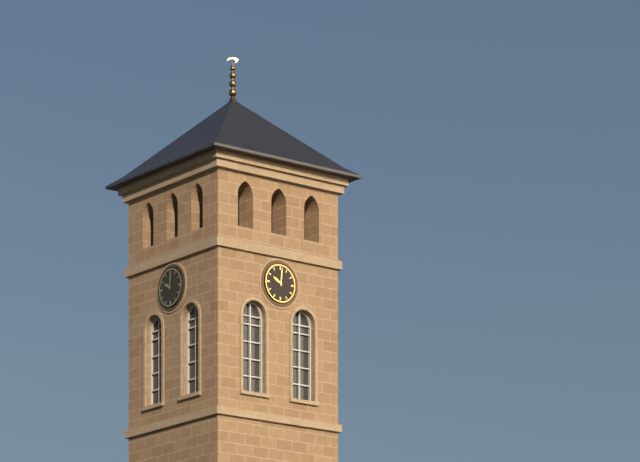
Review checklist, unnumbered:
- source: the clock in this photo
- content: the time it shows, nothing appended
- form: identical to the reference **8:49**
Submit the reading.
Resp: **10:01**
